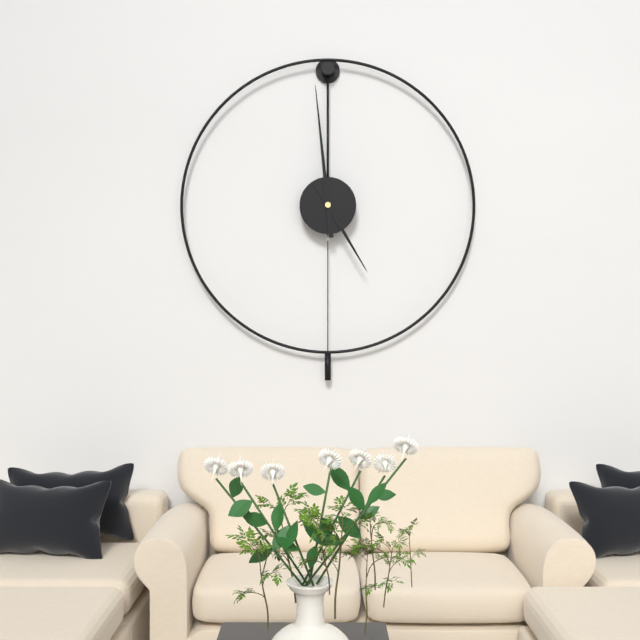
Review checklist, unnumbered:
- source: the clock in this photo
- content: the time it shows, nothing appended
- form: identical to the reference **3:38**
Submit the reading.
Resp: **4:59**
